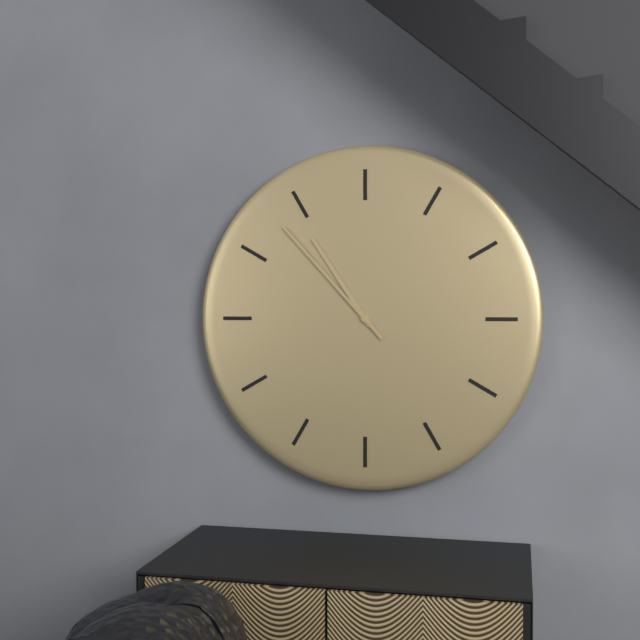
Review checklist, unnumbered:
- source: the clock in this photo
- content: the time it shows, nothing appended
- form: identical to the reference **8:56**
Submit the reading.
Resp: **10:53**
